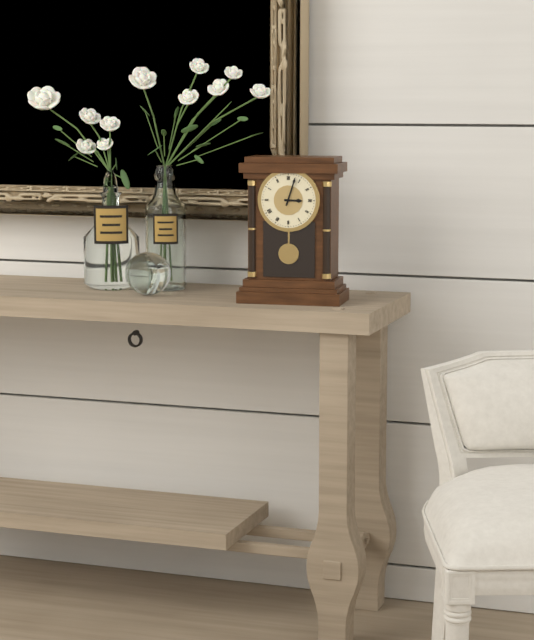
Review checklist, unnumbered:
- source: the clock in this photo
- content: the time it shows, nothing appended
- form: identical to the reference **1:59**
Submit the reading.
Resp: **3:03**
